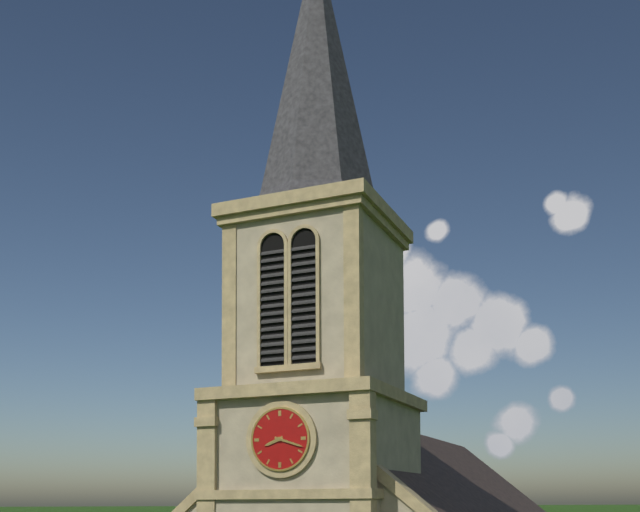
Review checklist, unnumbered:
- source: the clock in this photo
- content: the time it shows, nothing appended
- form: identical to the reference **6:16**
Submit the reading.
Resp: **8:18**
